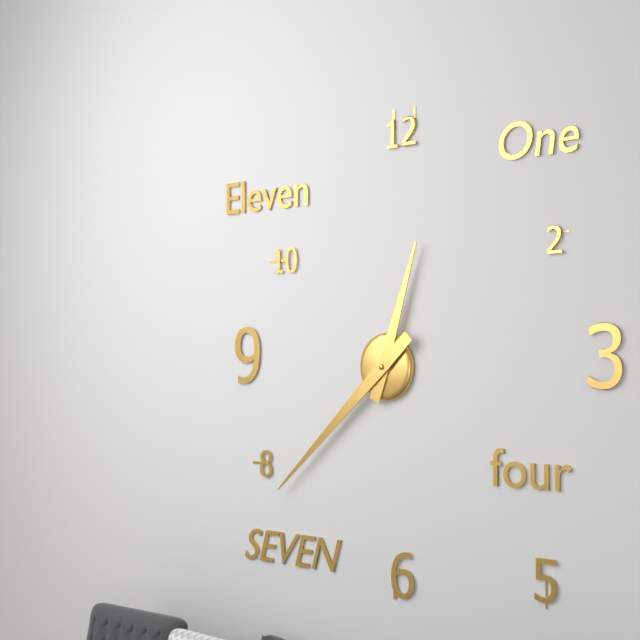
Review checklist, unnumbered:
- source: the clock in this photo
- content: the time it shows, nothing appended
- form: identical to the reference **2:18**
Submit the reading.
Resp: **12:38**
